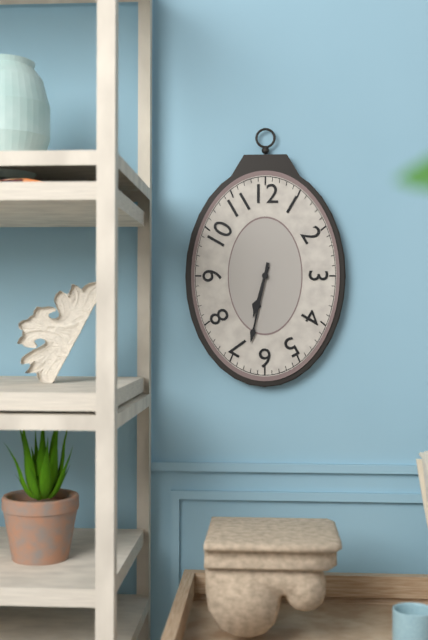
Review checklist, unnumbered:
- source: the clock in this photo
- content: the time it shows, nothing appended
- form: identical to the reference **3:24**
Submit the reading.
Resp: **6:32**
